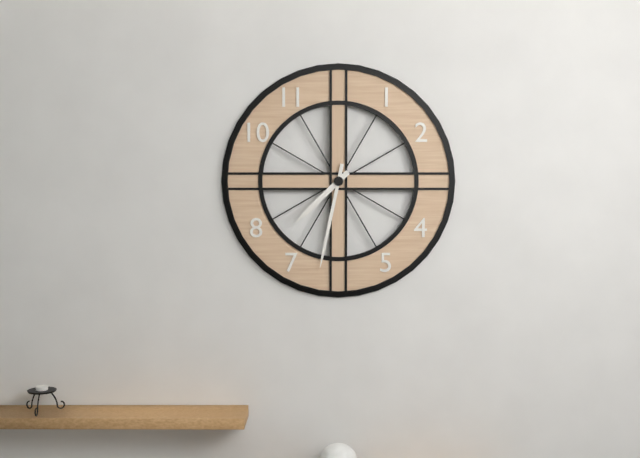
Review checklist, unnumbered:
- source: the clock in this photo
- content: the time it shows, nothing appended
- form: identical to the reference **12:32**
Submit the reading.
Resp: **7:32**
